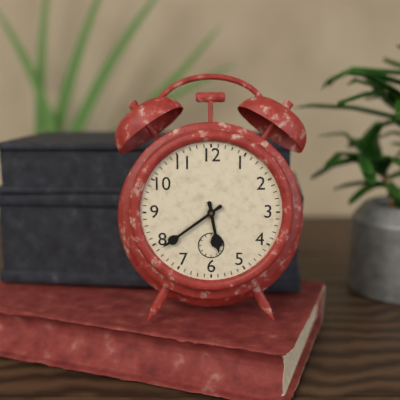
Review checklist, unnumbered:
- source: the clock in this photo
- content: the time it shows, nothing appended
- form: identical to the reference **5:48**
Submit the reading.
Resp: **5:39**
